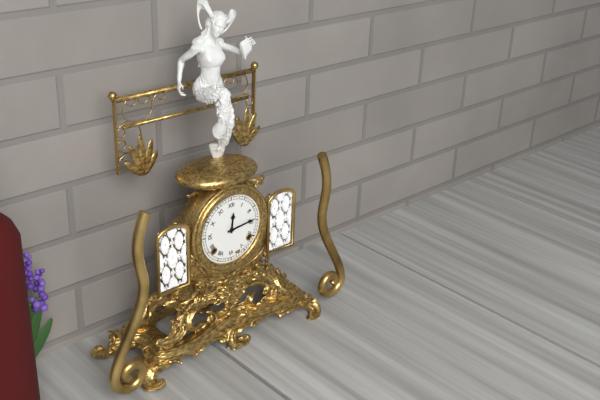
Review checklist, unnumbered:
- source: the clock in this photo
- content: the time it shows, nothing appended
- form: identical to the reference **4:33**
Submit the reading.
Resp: **12:14**
